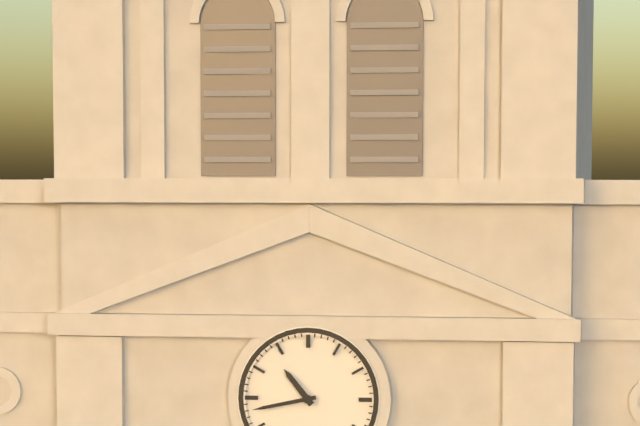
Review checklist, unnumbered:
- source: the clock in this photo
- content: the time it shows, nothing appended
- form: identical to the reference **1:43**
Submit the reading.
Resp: **10:43**
